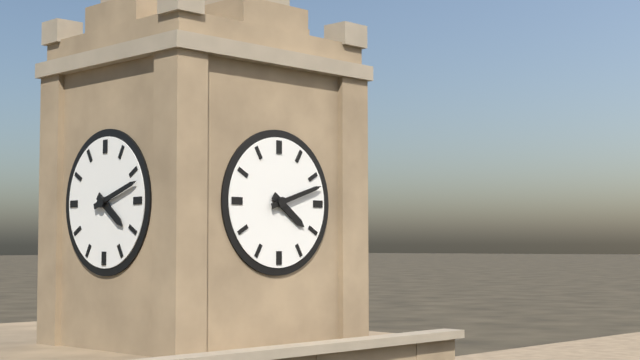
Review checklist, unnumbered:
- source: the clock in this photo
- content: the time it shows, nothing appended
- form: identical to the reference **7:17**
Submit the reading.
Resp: **4:12**
